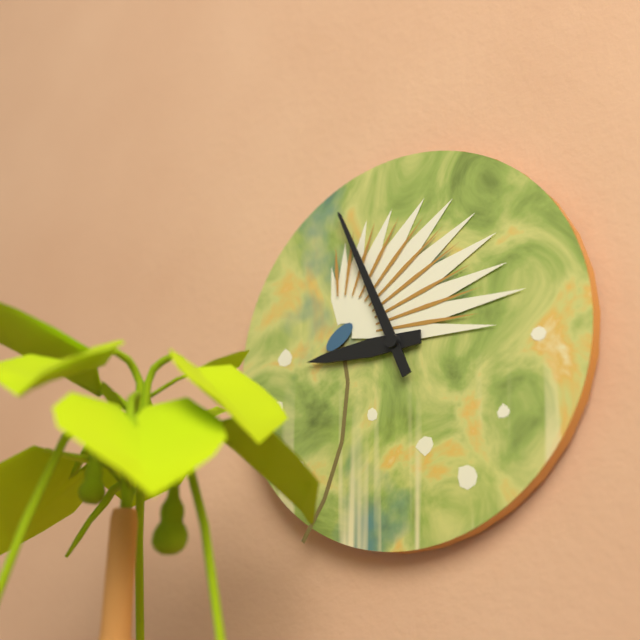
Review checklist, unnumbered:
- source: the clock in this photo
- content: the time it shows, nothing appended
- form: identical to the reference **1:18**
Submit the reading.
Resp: **8:56**
